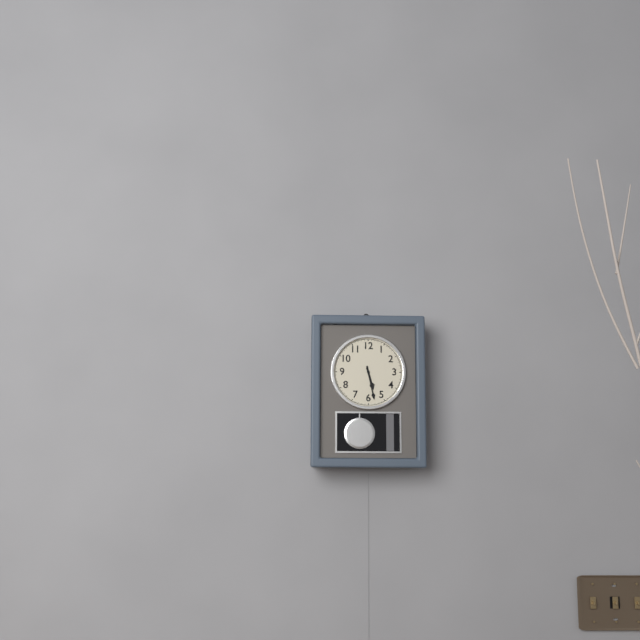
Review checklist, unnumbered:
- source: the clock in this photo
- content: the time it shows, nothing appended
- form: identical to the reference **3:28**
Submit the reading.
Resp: **5:28**
